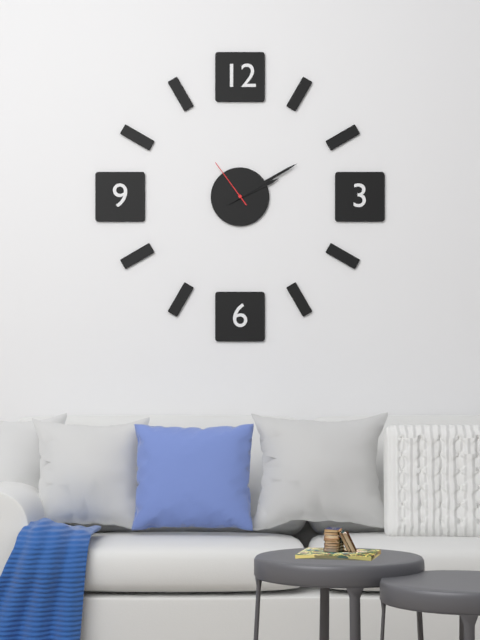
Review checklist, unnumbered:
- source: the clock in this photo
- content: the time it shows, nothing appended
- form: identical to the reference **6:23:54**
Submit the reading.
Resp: **2:10:54**
